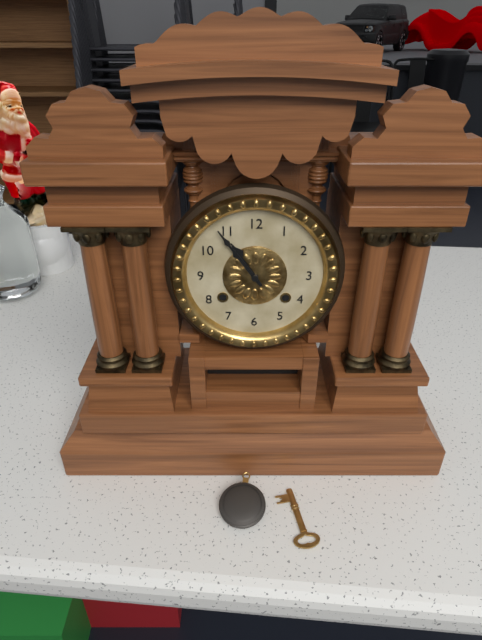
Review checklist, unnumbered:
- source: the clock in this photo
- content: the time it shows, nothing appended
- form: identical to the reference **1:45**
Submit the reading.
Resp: **10:54**
